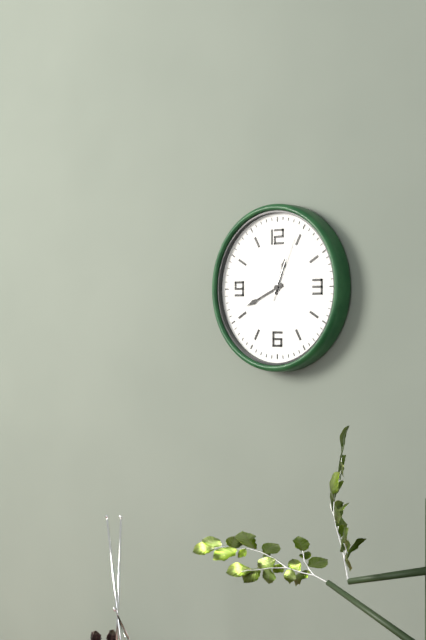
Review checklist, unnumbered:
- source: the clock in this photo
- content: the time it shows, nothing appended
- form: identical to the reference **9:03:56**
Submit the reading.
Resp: **12:41:04**
